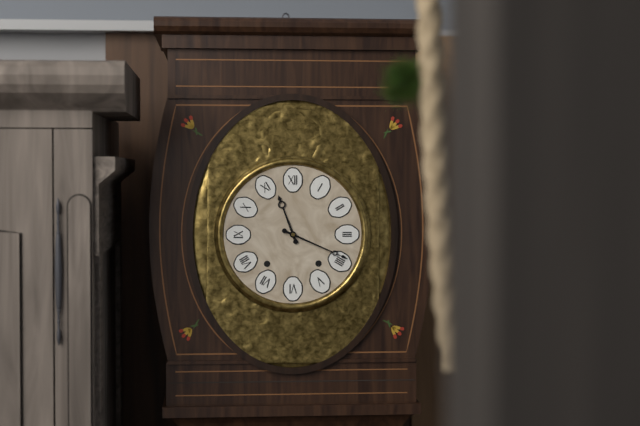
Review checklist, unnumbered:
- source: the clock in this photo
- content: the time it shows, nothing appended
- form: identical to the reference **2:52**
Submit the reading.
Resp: **11:19**
